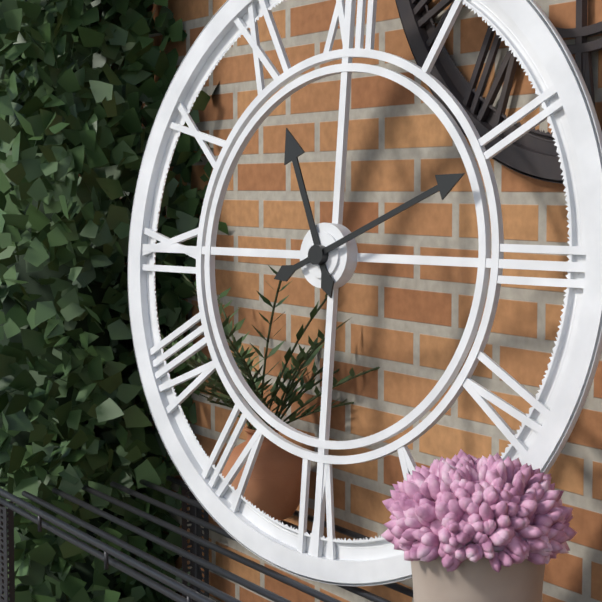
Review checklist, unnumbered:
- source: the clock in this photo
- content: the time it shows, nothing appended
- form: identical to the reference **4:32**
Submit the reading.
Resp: **11:11**
